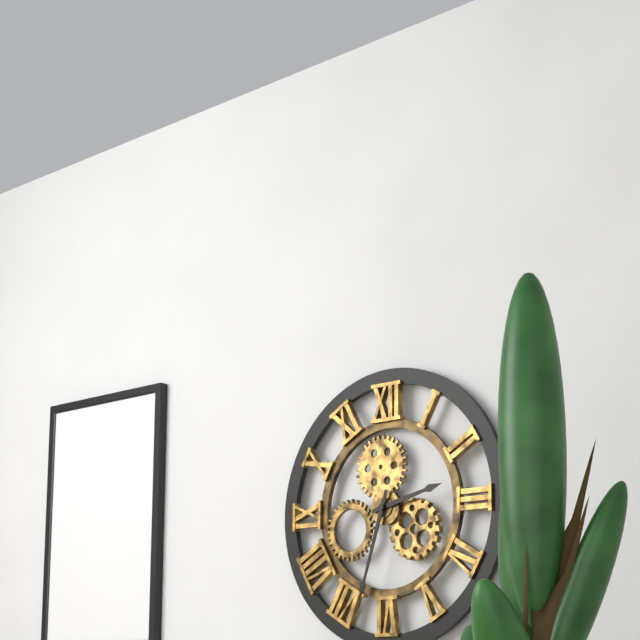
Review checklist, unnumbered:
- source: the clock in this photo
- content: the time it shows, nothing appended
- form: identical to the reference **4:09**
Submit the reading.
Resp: **2:33**
